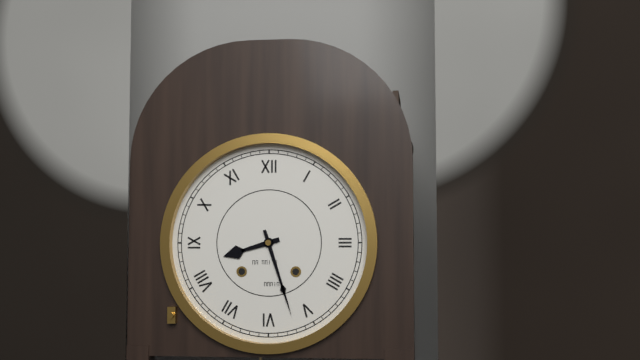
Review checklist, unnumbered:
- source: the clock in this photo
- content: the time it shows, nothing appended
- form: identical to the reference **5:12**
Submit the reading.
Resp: **8:27**
